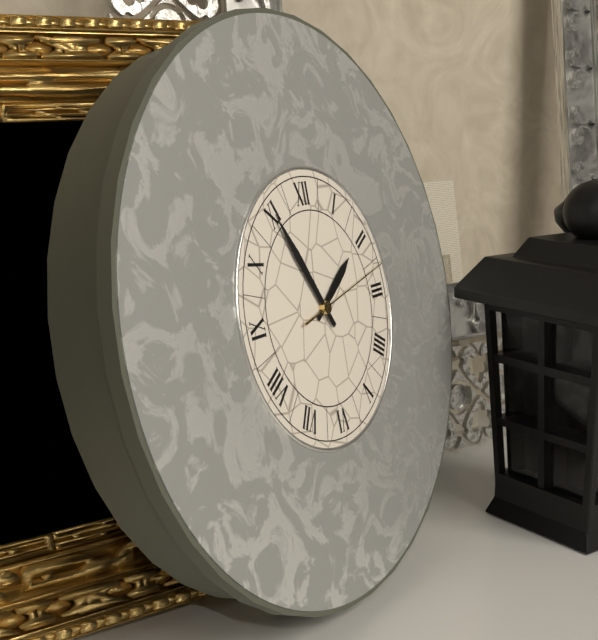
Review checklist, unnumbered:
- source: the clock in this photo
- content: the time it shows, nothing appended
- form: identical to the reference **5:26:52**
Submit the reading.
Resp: **1:55:13**
